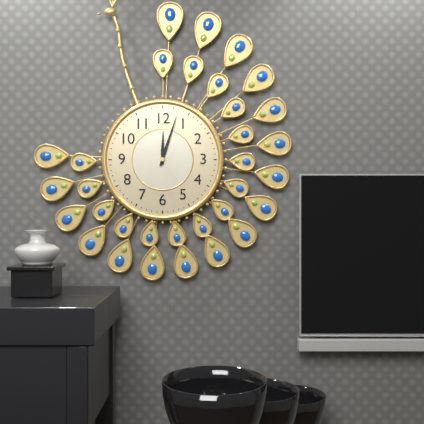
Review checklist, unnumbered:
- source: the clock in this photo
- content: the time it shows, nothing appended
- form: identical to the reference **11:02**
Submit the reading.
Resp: **12:03**
